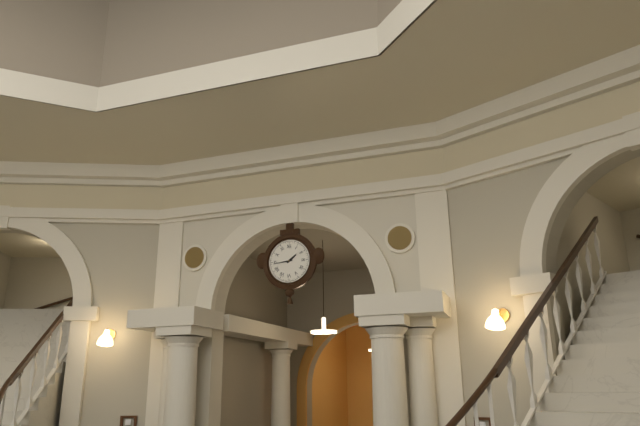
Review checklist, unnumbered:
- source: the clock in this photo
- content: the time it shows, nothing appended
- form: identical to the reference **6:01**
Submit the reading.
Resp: **1:44**
